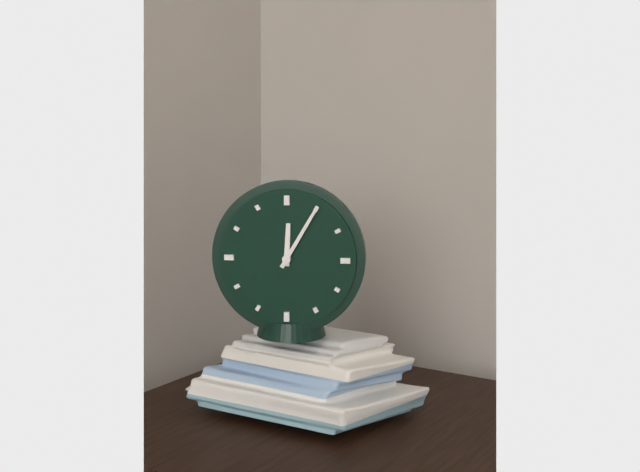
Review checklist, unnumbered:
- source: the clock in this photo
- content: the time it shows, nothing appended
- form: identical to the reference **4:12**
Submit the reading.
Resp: **12:05**
